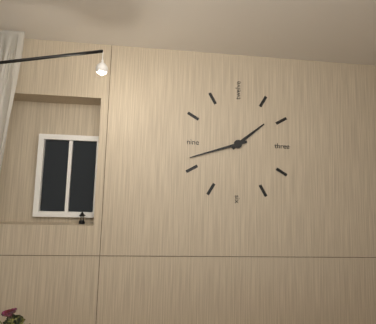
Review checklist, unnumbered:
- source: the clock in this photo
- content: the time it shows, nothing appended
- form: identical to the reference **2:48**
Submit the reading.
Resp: **1:42**
